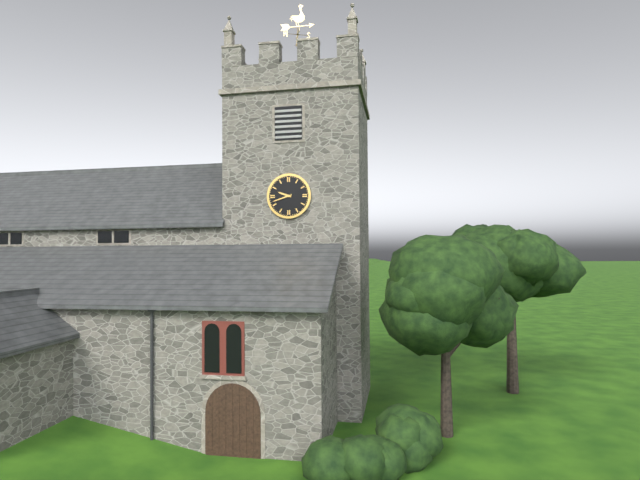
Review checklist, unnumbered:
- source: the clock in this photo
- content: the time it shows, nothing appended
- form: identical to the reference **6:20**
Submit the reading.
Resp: **9:42**
